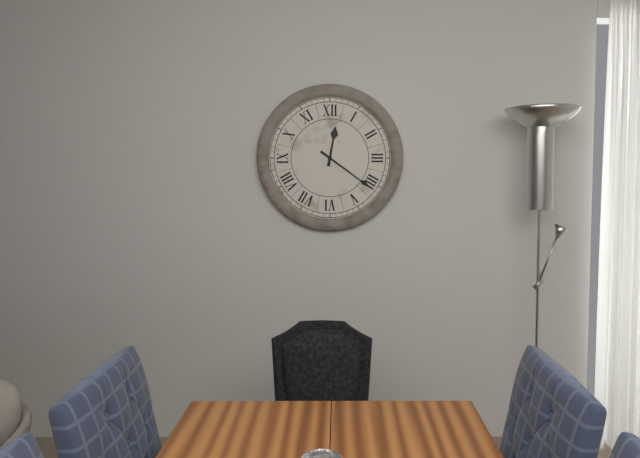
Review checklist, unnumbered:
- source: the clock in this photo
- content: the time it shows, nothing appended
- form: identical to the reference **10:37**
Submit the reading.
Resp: **12:21**
